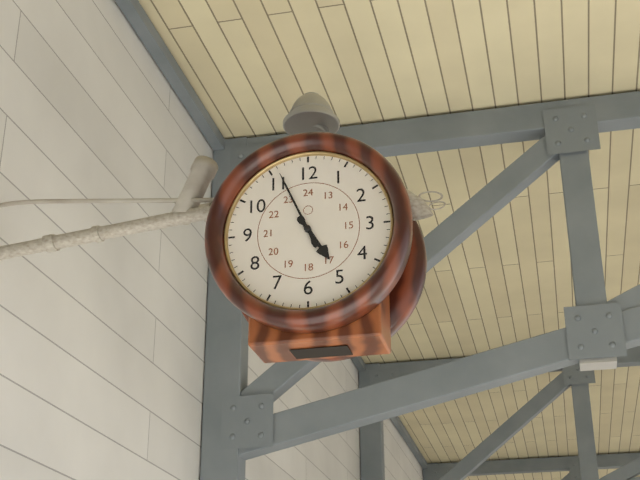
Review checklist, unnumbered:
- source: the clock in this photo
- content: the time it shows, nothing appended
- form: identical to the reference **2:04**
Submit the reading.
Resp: **4:56**
